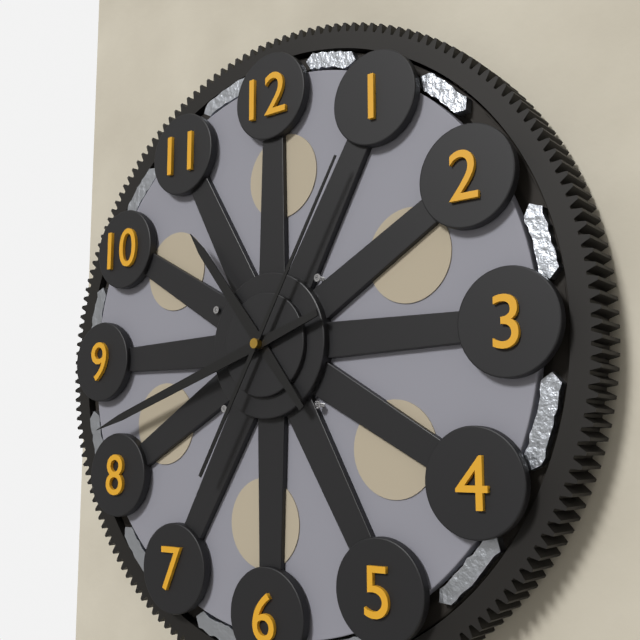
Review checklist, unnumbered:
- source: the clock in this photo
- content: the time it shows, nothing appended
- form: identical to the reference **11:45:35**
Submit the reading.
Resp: **10:42:05**
